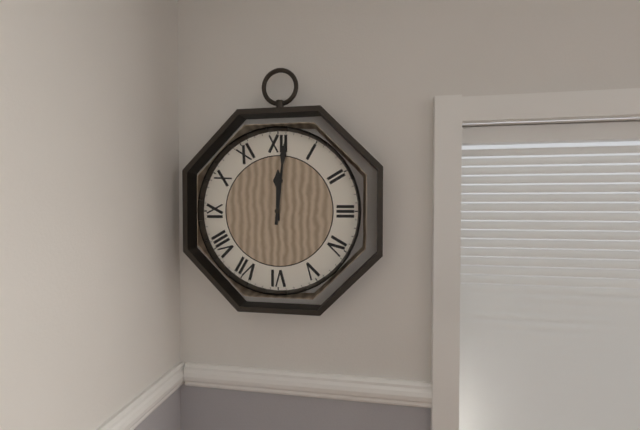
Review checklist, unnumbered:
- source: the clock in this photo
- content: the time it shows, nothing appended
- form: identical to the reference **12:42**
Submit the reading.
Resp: **12:01**
